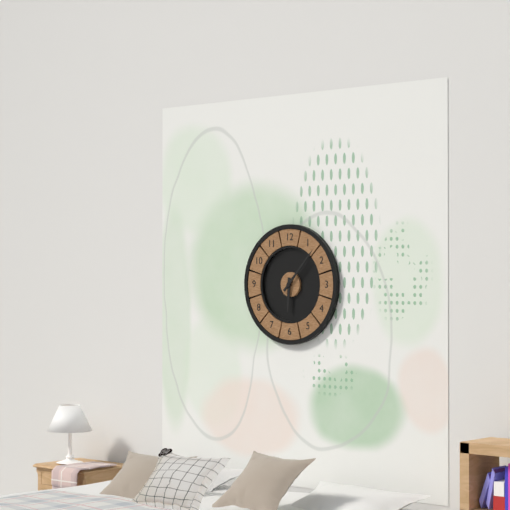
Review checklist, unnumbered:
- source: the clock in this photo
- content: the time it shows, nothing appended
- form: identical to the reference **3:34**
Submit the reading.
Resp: **6:07**
